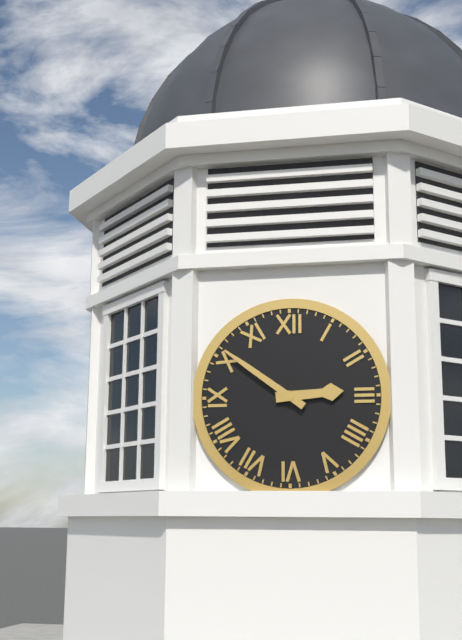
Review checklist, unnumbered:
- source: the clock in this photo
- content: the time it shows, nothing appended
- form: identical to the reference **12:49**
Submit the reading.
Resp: **2:51**
